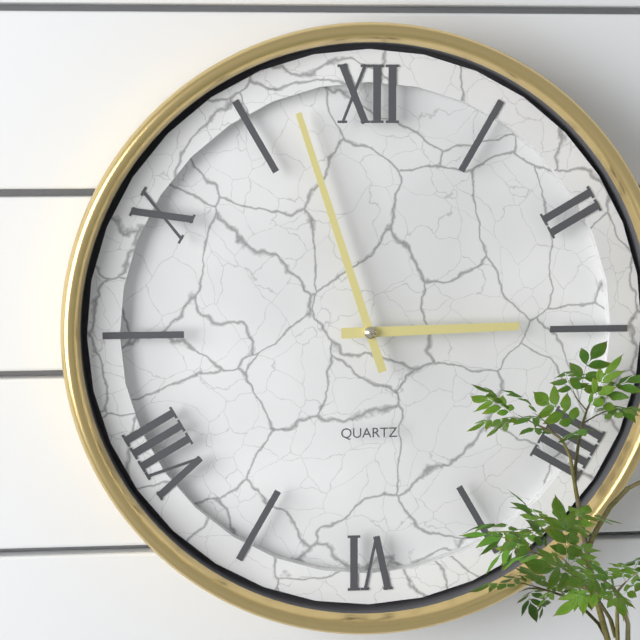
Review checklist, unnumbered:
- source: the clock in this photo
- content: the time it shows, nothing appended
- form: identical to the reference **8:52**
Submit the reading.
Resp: **2:57**
